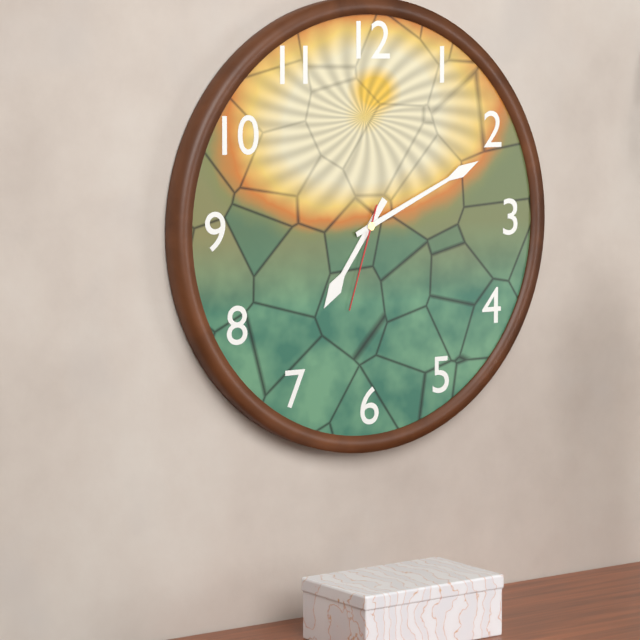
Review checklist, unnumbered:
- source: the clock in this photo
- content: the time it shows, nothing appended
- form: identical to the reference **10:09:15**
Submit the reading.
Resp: **7:11:33**
